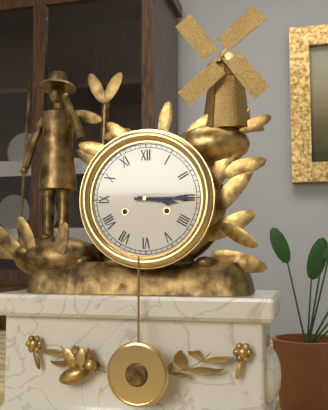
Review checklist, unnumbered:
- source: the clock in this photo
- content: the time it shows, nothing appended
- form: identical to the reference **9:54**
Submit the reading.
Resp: **3:15**
